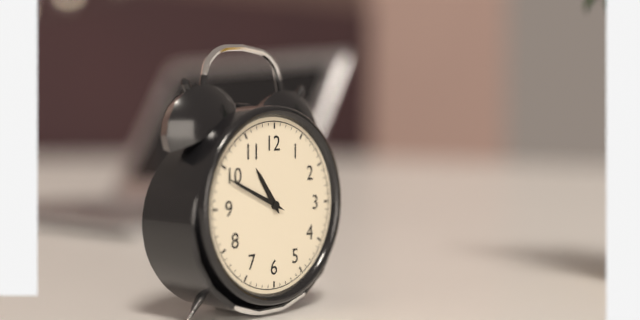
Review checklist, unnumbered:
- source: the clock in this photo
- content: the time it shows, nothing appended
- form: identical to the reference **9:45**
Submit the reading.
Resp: **10:49**
